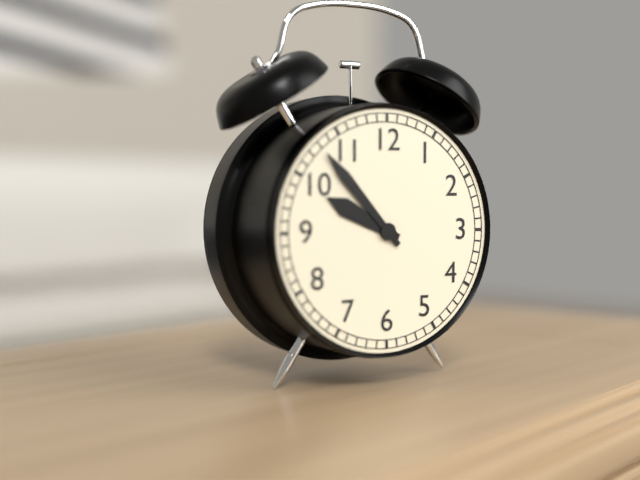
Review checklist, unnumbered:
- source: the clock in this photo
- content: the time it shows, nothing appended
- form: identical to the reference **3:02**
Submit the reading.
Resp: **9:53**
